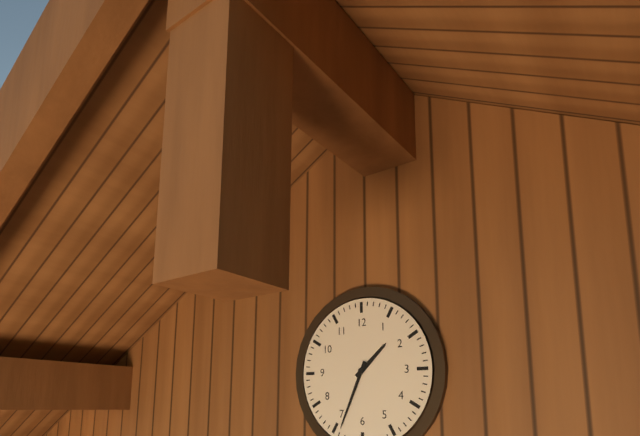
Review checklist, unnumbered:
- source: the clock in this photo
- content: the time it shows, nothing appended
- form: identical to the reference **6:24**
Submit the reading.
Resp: **1:34**
